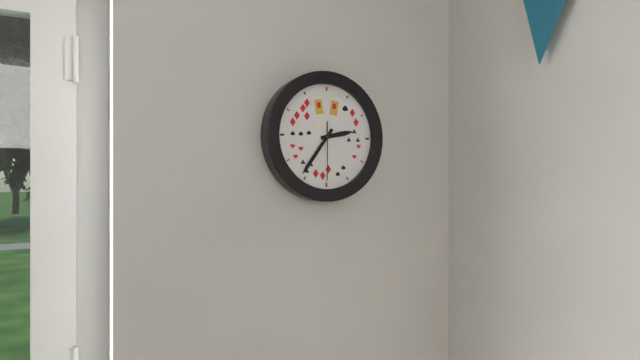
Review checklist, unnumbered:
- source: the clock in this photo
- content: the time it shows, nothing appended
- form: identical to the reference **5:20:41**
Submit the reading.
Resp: **2:36:30**
